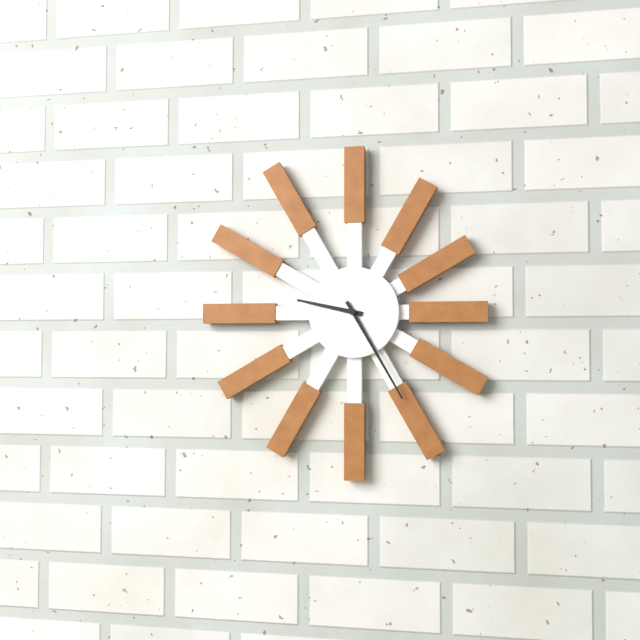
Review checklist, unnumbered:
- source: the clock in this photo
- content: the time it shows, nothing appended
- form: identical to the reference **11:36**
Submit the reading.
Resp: **9:25**
